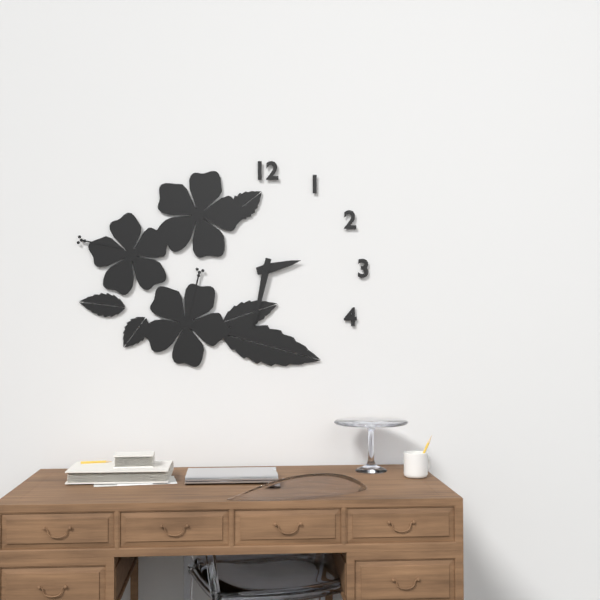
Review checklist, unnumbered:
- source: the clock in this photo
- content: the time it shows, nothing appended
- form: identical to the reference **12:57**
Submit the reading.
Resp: **2:32**
